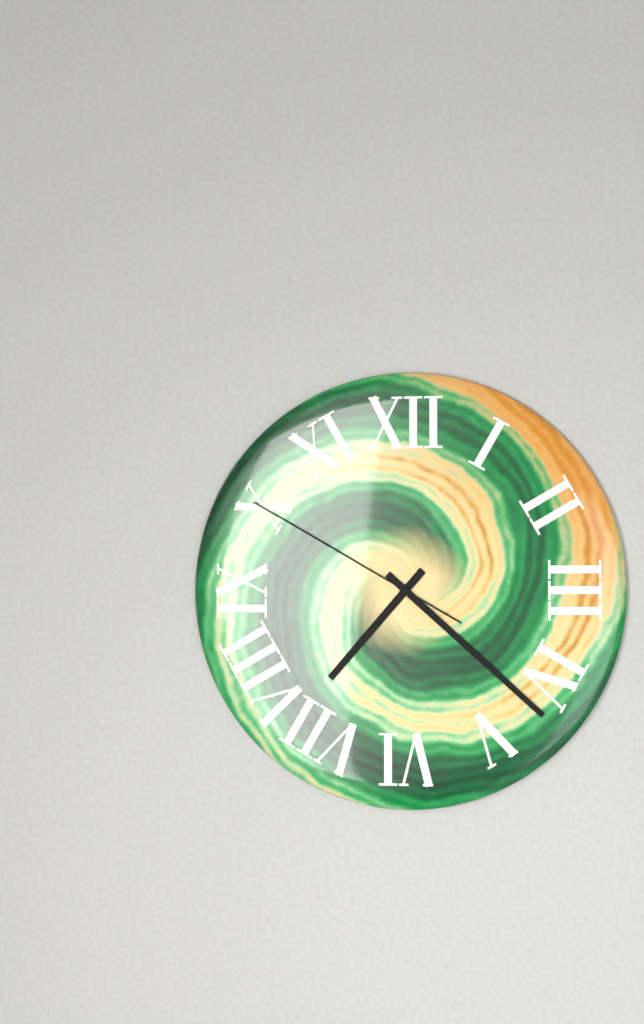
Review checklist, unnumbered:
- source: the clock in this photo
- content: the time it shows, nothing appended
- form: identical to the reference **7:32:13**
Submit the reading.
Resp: **7:22:50**
